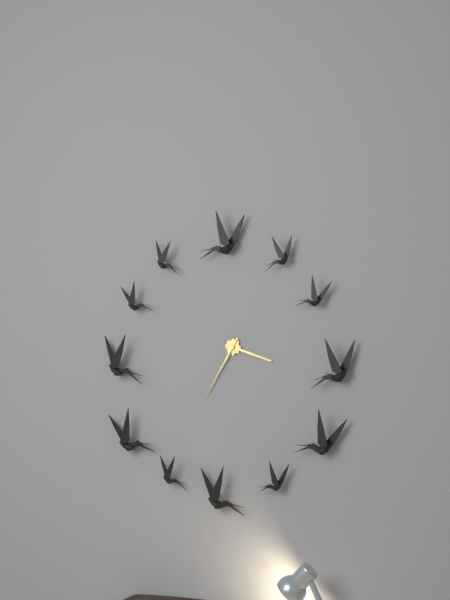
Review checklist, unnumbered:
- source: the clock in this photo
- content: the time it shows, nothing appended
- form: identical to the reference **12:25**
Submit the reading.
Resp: **3:35**
